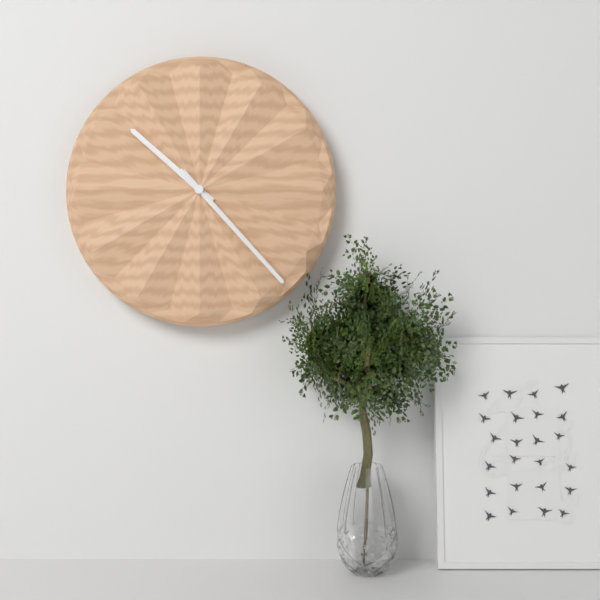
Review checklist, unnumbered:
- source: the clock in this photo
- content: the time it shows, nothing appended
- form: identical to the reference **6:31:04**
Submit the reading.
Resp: **10:23:23**
